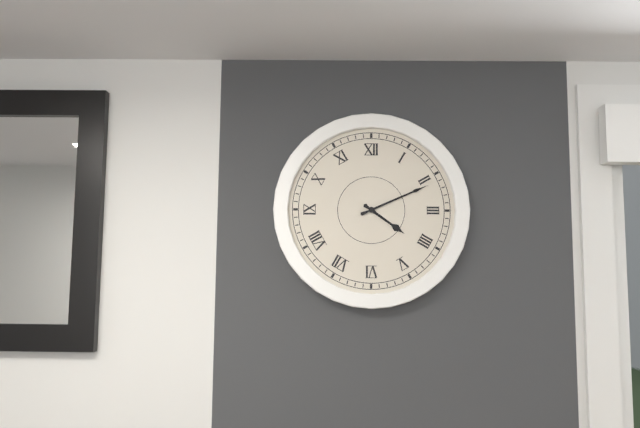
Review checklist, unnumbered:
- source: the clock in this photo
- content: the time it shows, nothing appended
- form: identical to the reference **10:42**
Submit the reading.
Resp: **4:11**
